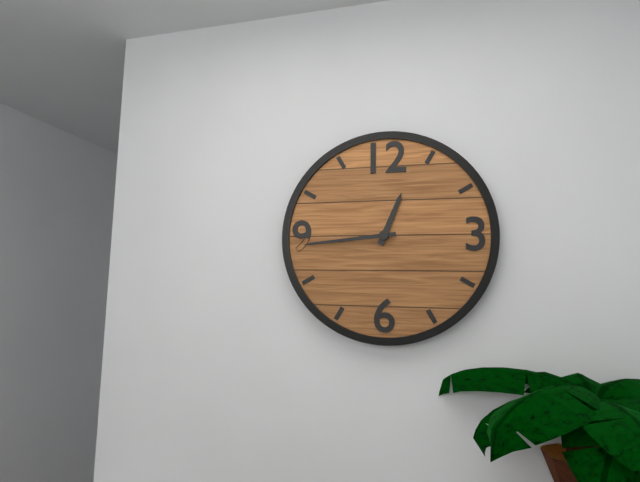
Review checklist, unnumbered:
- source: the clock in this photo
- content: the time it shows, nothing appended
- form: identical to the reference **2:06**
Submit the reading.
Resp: **12:44**
